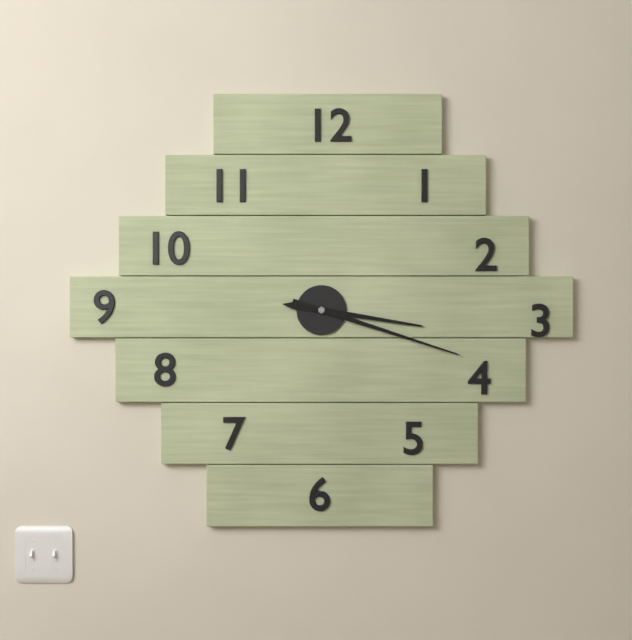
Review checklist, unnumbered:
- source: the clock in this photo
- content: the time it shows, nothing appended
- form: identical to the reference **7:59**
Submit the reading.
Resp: **3:18**
